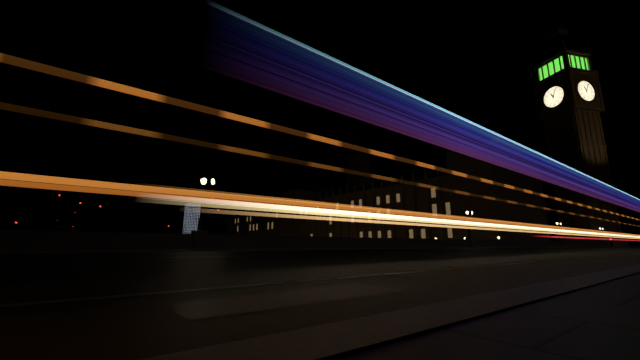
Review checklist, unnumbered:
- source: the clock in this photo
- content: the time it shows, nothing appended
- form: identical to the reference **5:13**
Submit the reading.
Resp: **11:04**
